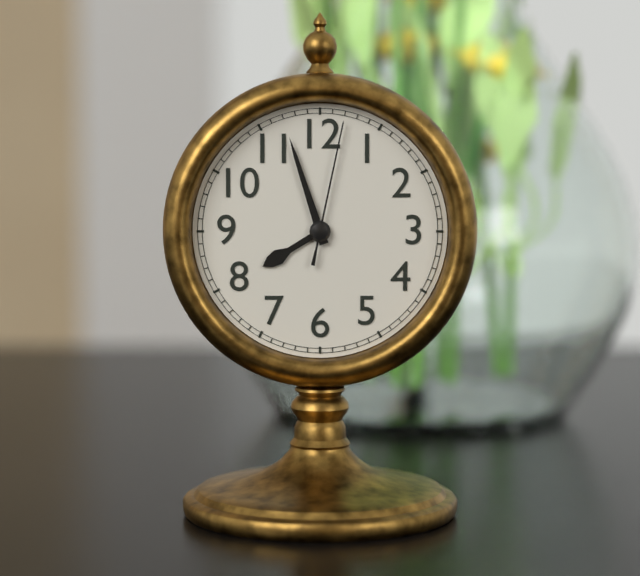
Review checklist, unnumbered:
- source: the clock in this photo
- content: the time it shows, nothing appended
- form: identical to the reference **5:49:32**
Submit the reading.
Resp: **7:57:02**
